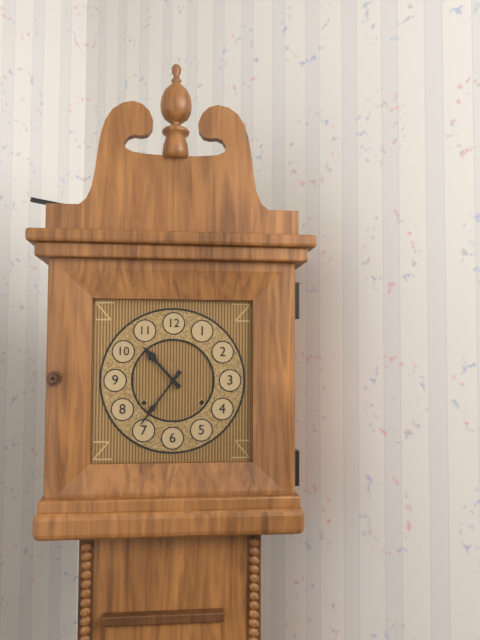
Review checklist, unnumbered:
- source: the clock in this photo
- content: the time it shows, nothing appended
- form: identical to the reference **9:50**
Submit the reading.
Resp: **10:36**
